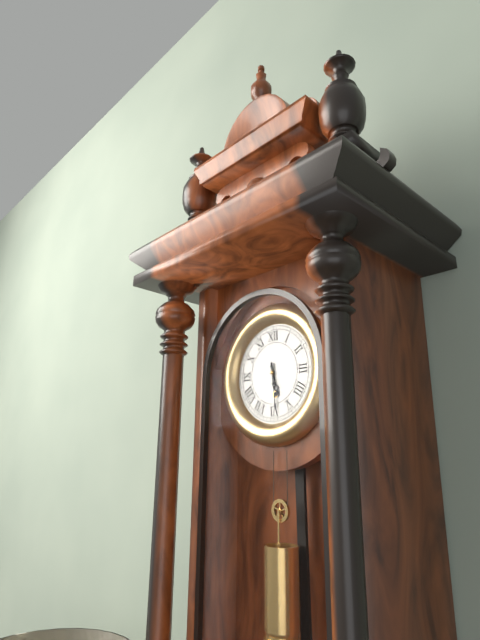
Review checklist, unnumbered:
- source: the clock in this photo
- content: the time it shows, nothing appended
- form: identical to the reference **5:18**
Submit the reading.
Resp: **5:29**
